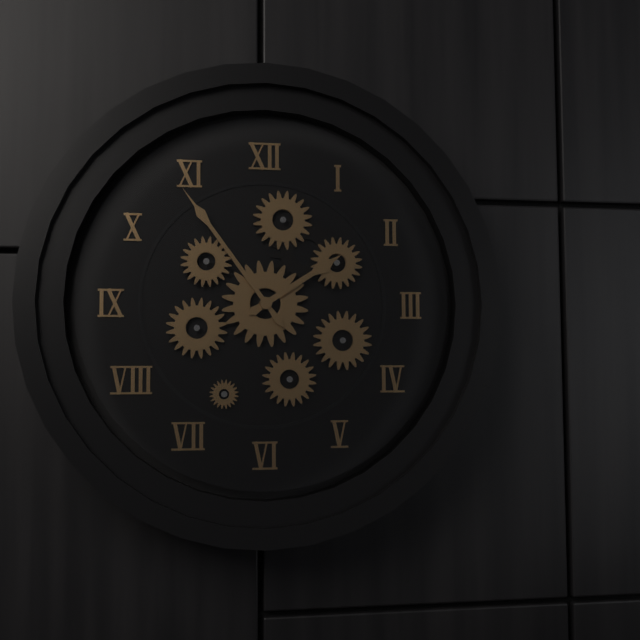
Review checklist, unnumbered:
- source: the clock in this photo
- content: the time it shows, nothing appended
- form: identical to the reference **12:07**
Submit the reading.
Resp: **1:54**
